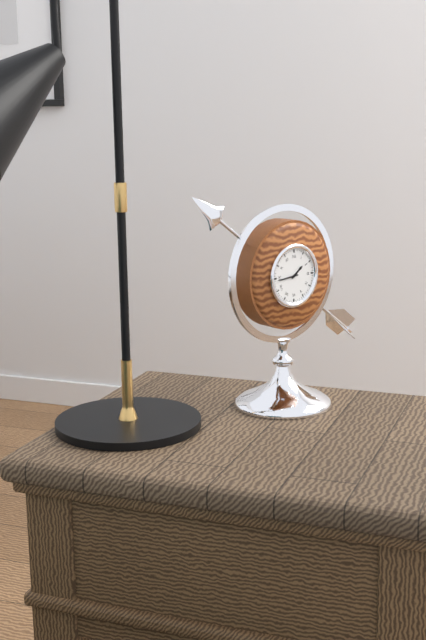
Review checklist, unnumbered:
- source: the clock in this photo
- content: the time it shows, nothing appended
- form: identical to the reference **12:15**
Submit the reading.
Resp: **1:44**
